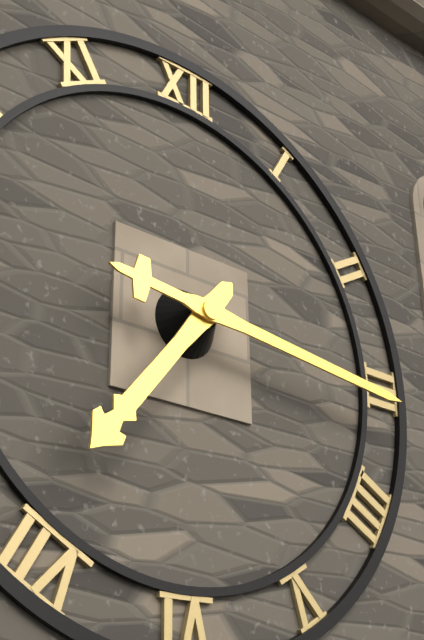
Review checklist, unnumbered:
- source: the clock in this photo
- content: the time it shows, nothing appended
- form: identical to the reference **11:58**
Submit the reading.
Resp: **7:16**
